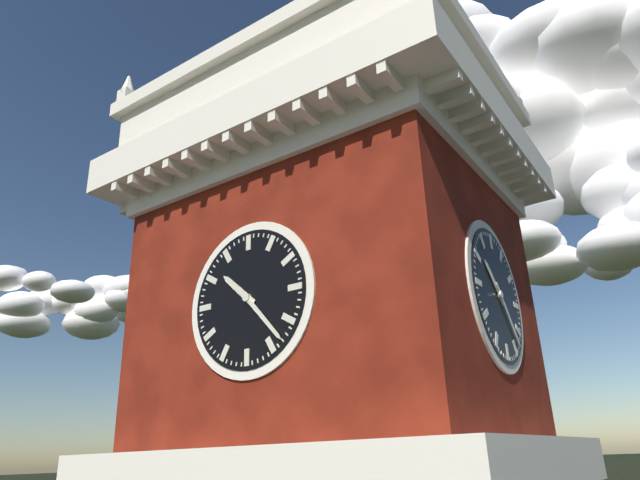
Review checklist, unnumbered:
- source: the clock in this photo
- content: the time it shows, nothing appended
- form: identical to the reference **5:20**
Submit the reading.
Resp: **10:23**
